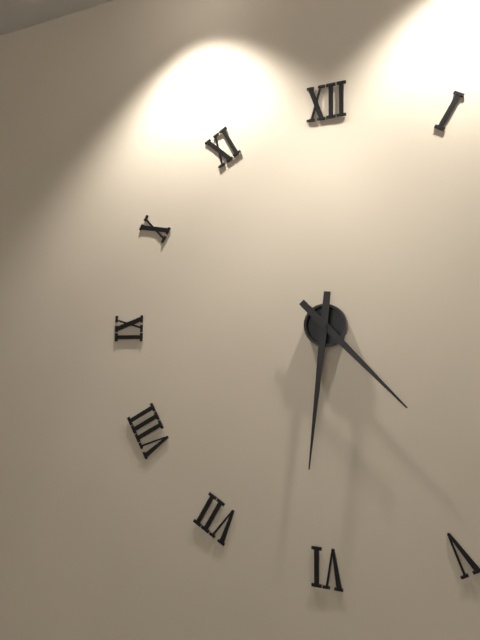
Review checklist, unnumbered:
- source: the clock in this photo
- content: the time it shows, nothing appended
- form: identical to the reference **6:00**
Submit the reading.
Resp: **4:31**
